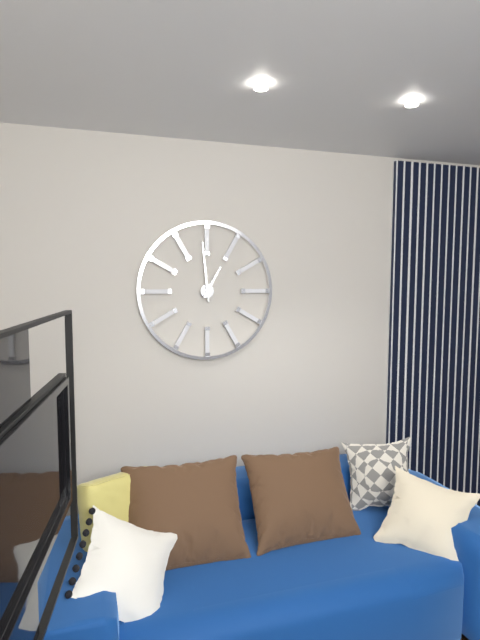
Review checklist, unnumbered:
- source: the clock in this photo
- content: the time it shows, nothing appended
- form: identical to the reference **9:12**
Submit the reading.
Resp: **12:59**
